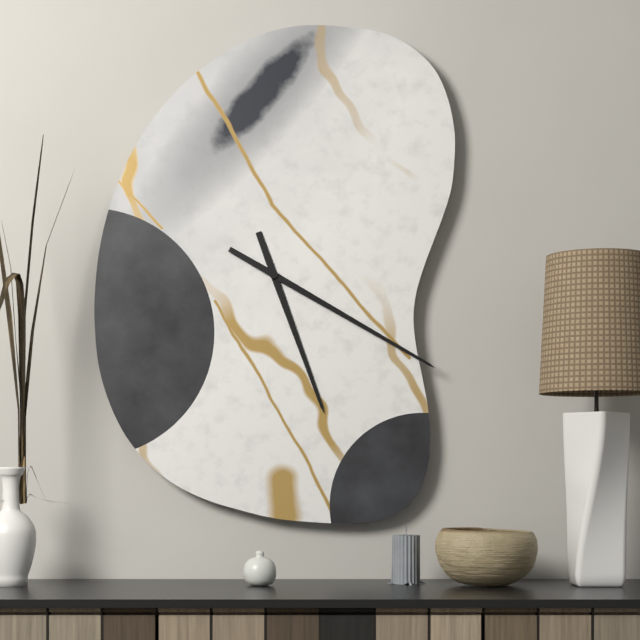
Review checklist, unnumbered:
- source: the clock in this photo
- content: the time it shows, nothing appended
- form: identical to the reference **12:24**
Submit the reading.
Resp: **5:20**
